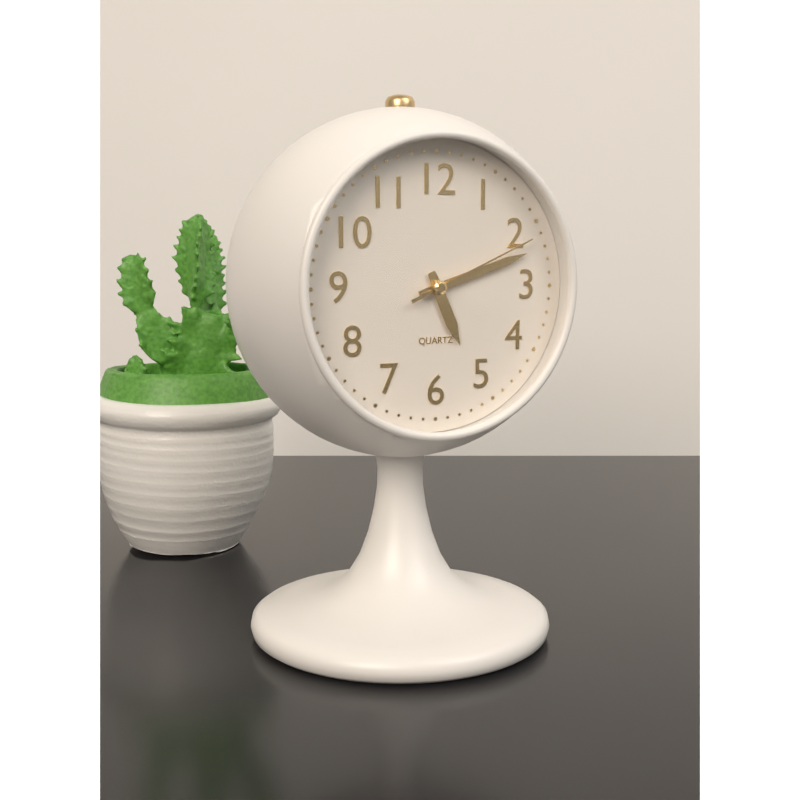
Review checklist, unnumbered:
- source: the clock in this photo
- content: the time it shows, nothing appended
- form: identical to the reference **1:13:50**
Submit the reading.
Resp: **5:12:11**
